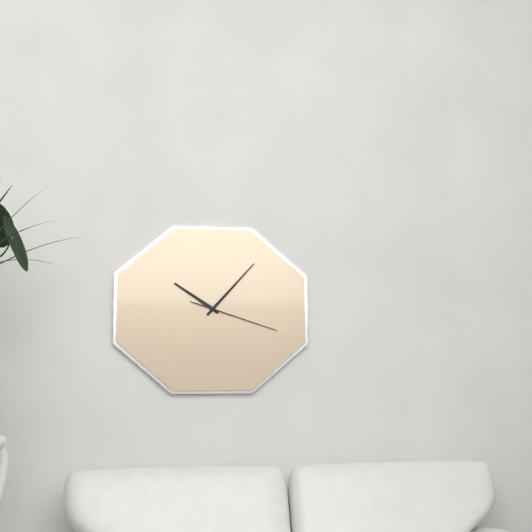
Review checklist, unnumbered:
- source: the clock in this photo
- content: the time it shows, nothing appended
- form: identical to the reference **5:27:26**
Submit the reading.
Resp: **10:07:18**
